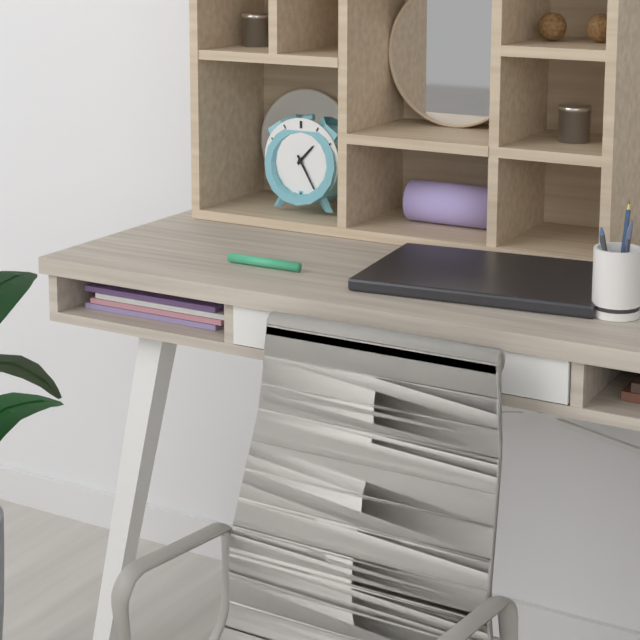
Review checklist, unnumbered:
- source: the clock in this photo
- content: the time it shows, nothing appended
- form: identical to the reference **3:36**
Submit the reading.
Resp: **1:25**
